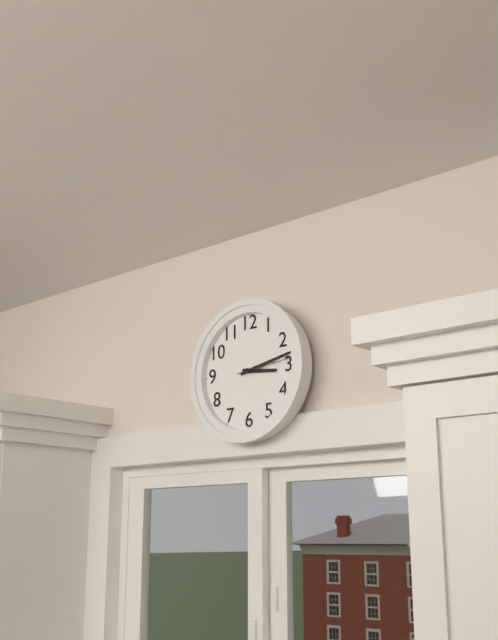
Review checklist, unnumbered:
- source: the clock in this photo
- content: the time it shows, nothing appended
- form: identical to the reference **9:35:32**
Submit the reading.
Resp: **3:13:14**
